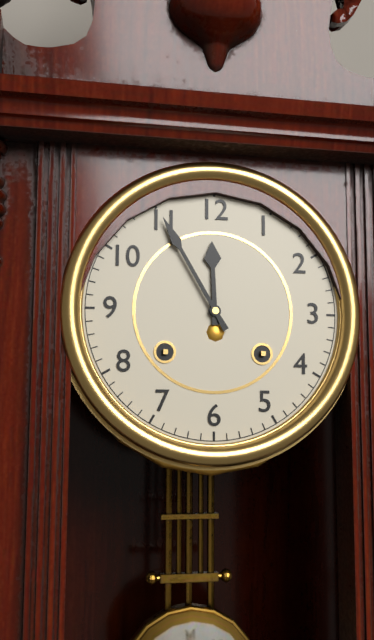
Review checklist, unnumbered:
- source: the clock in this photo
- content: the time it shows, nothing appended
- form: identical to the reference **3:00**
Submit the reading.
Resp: **11:55**
